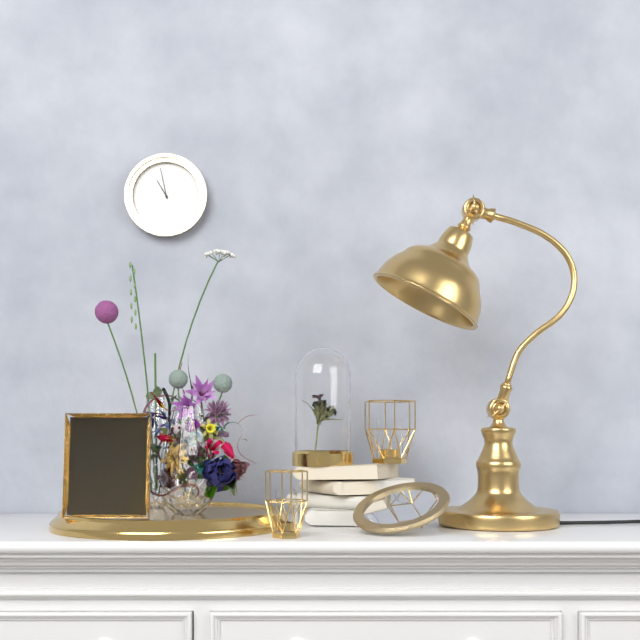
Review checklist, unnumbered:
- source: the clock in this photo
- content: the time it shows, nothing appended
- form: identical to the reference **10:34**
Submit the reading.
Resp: **10:58**
